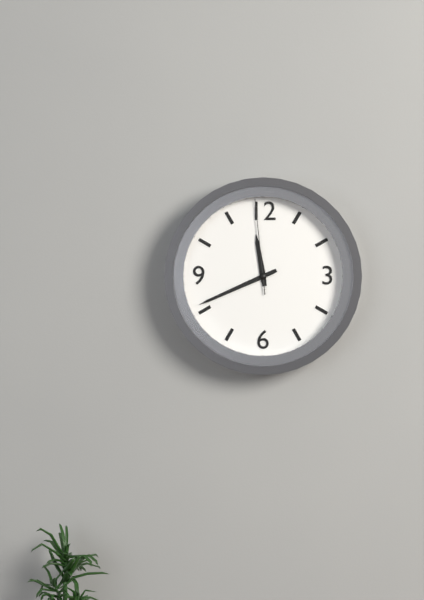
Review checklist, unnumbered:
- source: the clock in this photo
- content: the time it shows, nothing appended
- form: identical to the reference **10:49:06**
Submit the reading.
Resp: **11:41:59**
